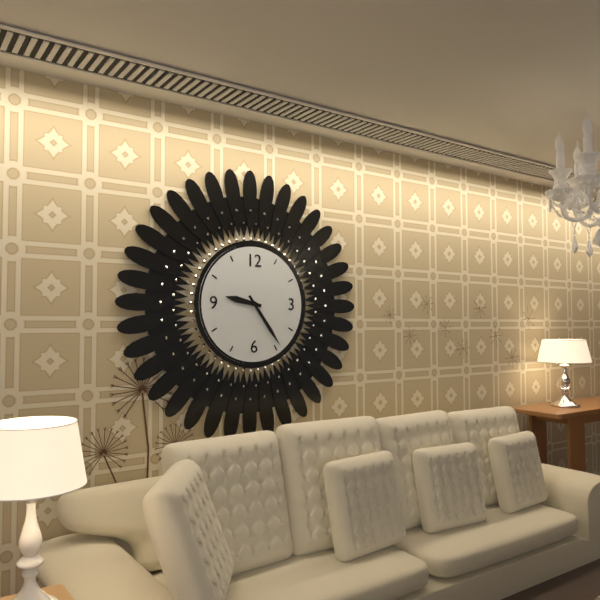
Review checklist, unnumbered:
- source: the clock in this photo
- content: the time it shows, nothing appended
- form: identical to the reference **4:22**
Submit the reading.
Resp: **9:24**
